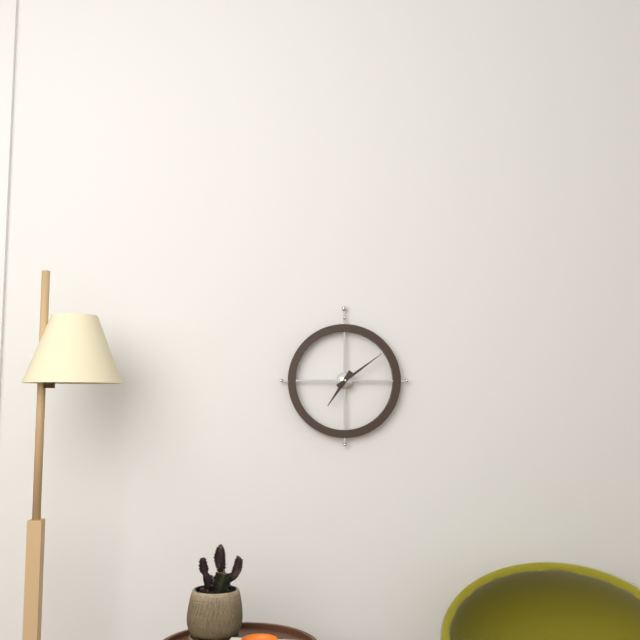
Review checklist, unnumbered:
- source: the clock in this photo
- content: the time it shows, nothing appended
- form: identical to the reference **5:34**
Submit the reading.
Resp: **7:09**
